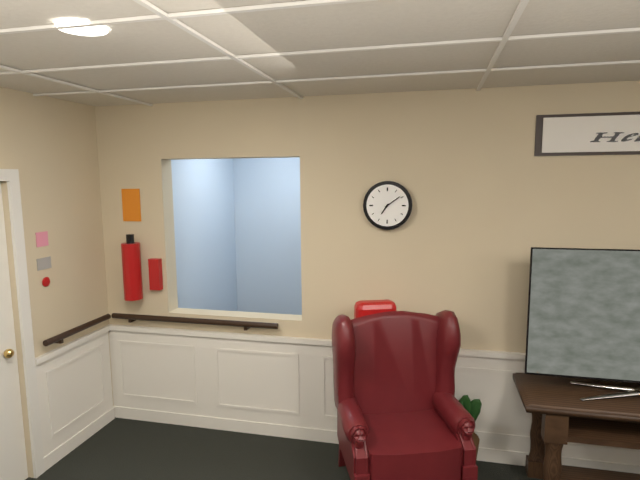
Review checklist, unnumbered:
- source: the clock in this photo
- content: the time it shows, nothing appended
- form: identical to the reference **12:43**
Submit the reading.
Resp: **7:09**
